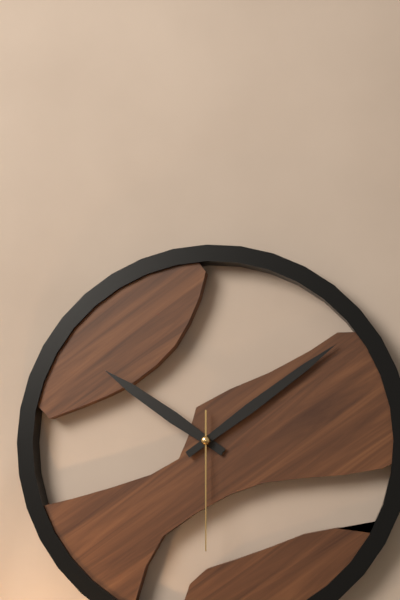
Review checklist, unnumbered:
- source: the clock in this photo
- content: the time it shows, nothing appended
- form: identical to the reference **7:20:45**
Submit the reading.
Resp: **10:09:30**
